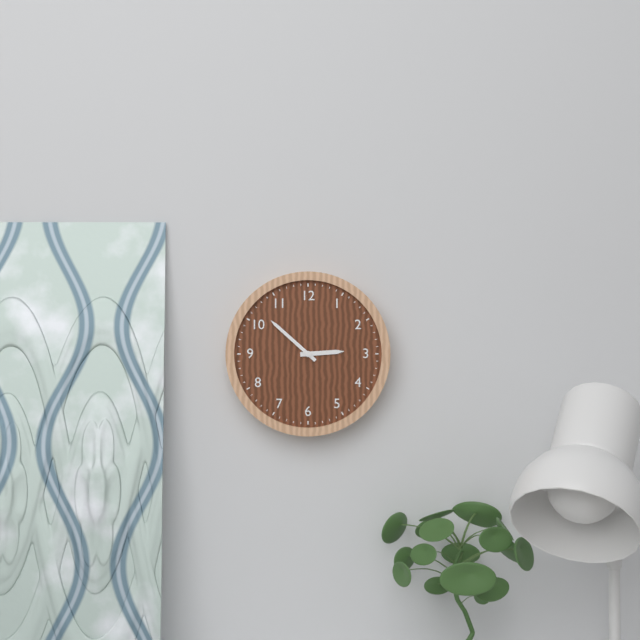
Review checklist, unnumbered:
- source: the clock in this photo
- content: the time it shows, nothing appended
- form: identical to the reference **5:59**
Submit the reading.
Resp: **2:52**
